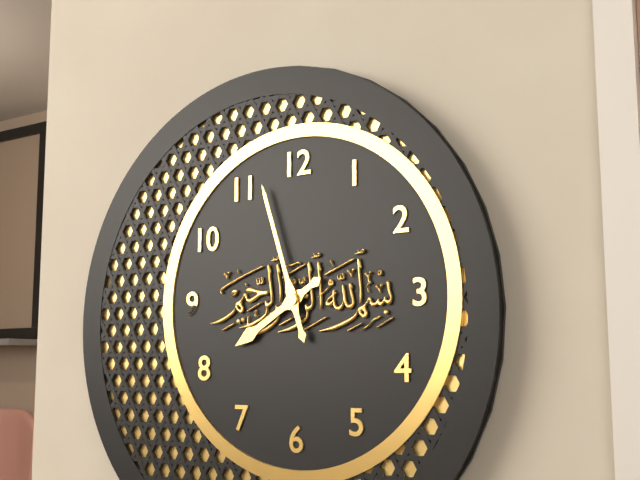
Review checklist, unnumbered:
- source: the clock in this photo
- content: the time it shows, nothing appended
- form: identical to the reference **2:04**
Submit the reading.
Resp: **7:57**
